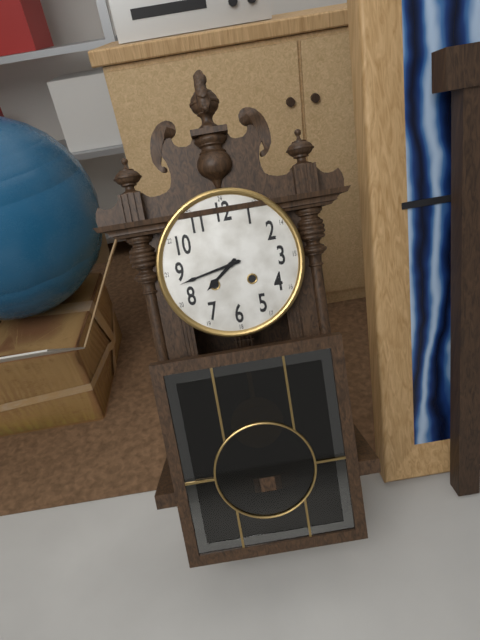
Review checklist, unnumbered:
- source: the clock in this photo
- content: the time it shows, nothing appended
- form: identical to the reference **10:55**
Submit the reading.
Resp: **7:43**
